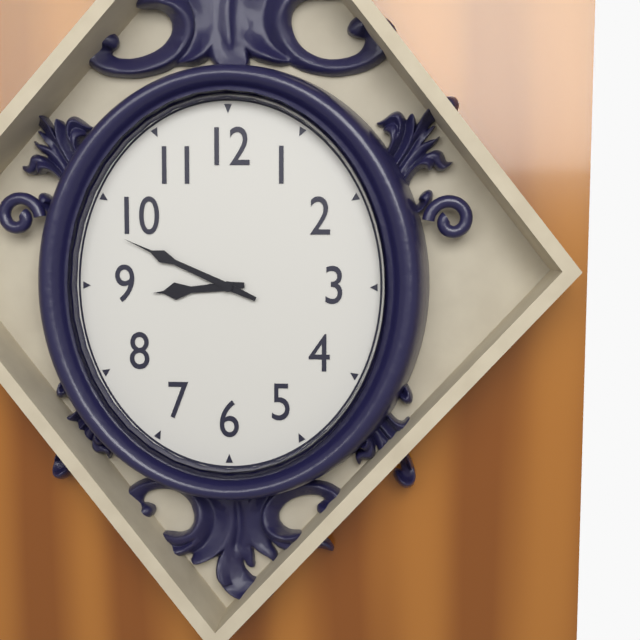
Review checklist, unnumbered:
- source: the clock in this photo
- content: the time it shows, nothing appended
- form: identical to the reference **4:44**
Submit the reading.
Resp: **8:49**
